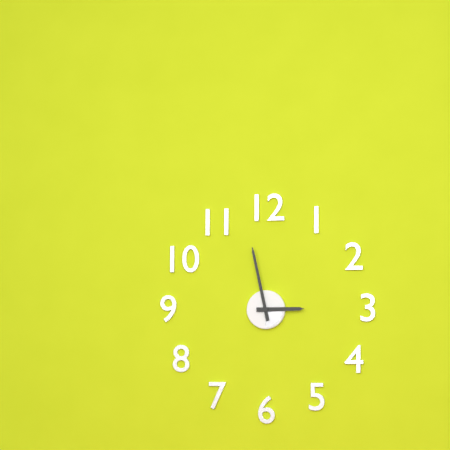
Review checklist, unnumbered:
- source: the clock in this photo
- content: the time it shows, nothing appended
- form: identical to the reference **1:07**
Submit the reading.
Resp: **2:58**
